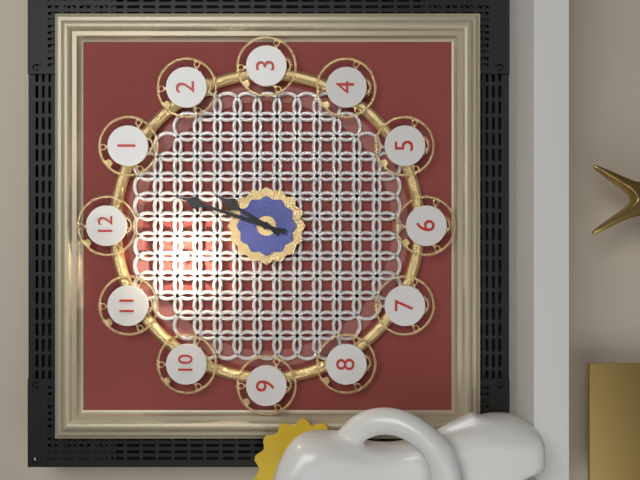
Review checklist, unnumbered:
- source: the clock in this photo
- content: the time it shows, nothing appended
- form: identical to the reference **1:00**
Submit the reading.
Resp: **1:03**
